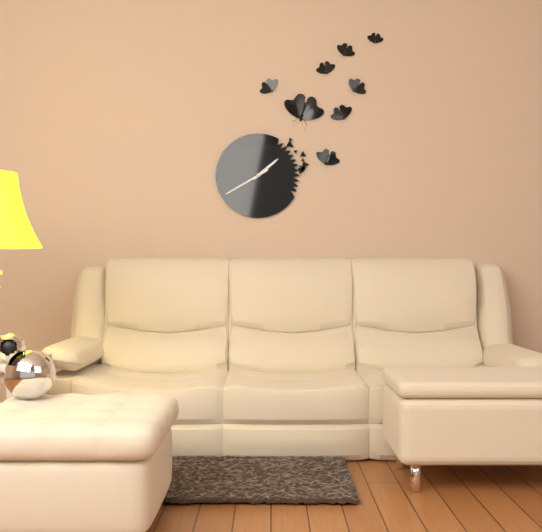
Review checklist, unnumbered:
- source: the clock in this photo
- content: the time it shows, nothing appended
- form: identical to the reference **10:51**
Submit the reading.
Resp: **1:40**
